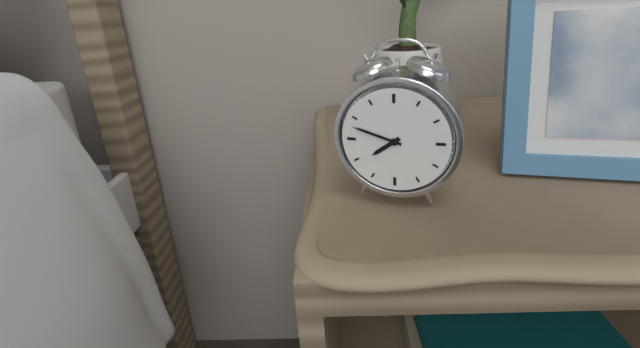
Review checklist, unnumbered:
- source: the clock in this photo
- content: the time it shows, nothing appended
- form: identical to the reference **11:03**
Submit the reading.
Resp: **7:48**
